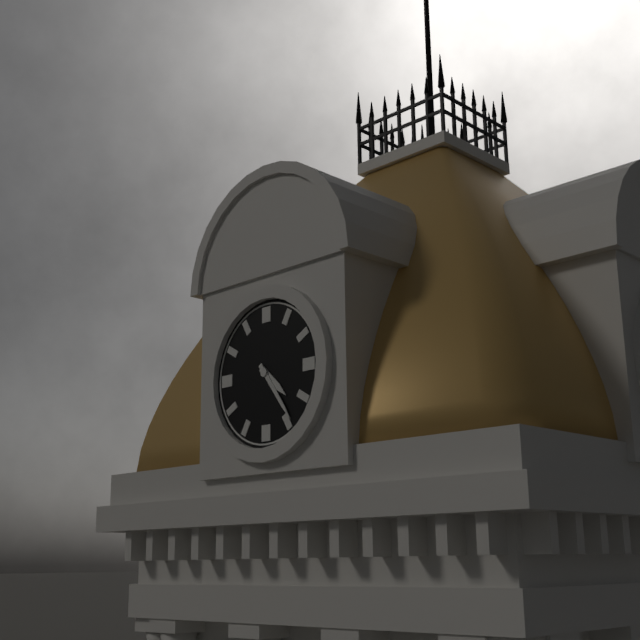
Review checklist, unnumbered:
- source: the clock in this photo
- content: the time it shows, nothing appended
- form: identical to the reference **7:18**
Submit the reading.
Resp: **4:24**
